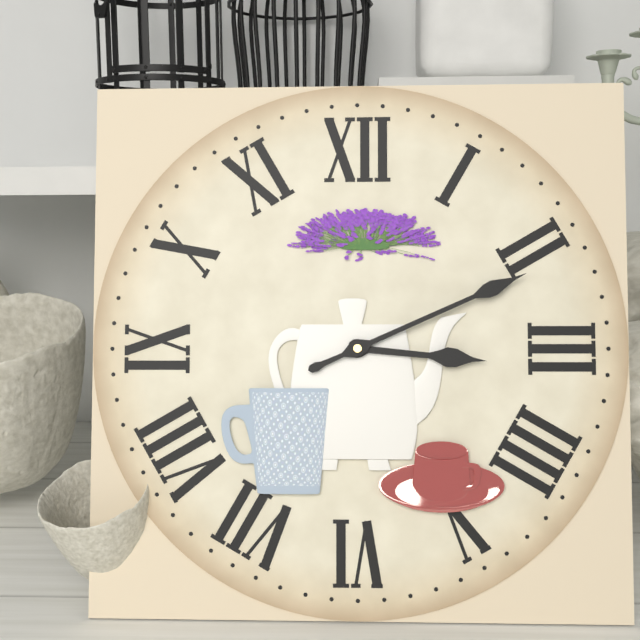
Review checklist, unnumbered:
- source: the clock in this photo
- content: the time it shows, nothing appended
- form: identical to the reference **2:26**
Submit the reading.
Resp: **3:11**
